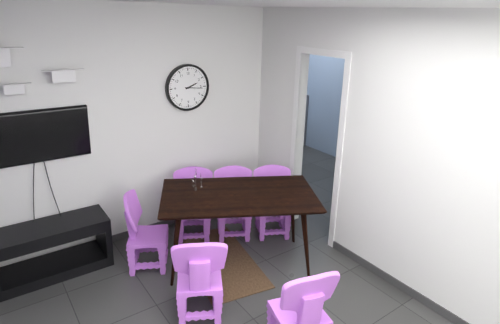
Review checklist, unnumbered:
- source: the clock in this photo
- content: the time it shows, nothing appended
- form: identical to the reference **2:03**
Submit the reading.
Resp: **2:16**
